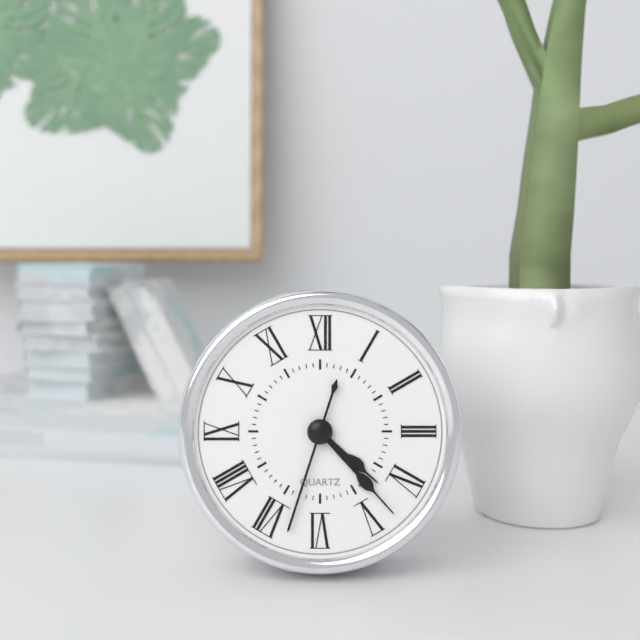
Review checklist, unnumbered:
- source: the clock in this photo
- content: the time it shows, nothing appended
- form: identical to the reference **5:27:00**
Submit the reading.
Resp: **4:23:33**
